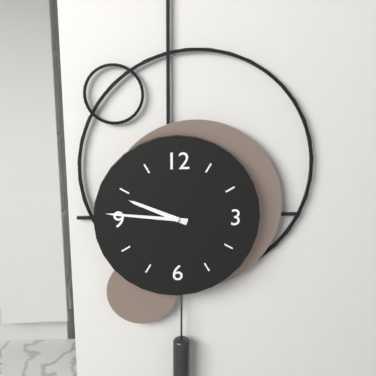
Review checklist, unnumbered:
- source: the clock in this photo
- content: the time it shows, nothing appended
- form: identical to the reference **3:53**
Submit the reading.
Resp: **9:46**
